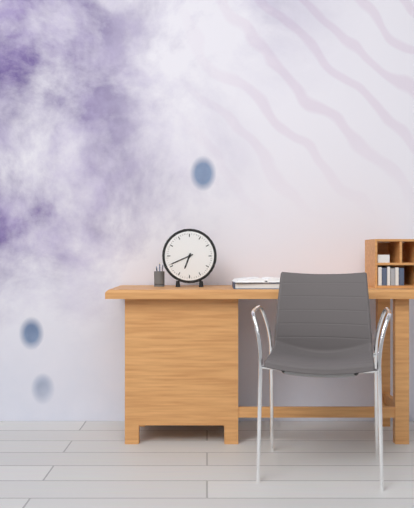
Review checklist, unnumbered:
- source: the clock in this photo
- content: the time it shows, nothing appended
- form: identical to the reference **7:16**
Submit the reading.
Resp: **6:41**
